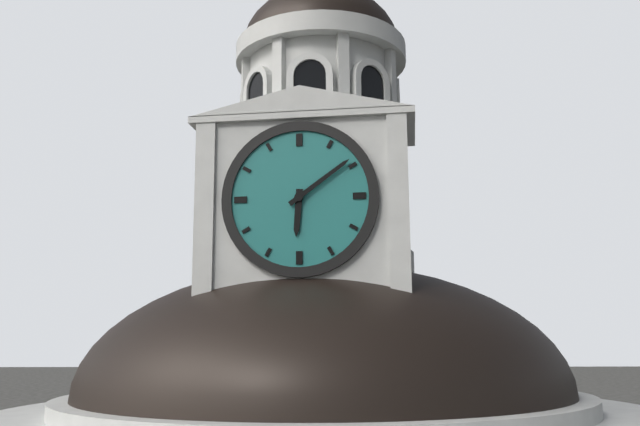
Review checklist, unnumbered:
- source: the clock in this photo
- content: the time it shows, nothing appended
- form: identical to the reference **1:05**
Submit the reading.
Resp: **6:09**
